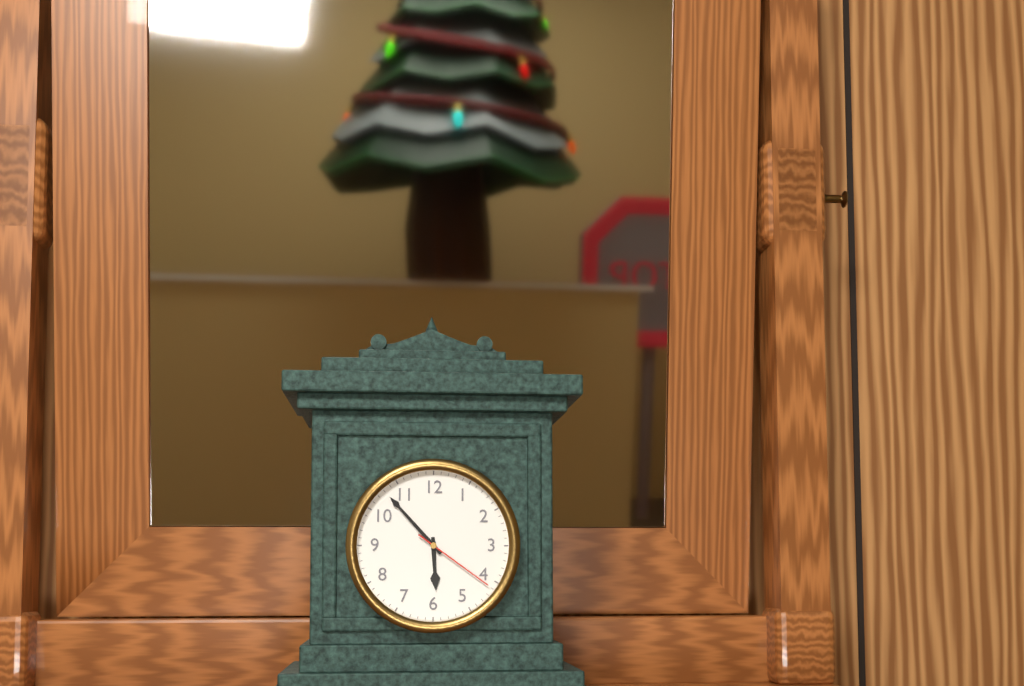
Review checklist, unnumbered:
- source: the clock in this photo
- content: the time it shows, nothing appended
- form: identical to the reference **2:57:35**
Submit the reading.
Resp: **5:53:21**
